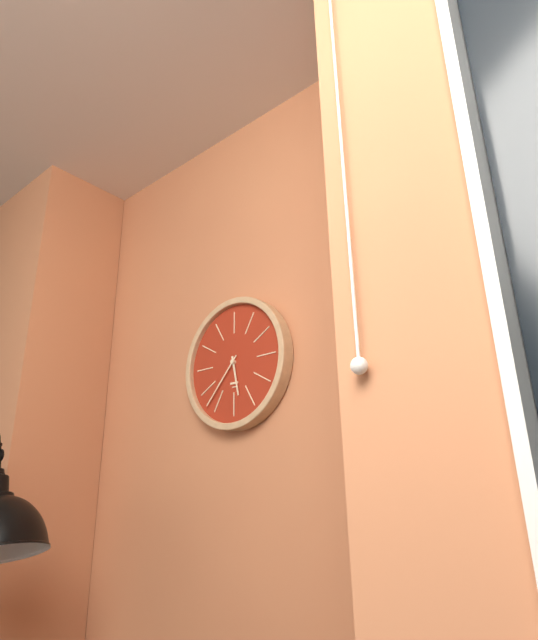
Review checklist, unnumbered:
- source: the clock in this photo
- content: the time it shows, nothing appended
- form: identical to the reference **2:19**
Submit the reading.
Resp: **5:37**
